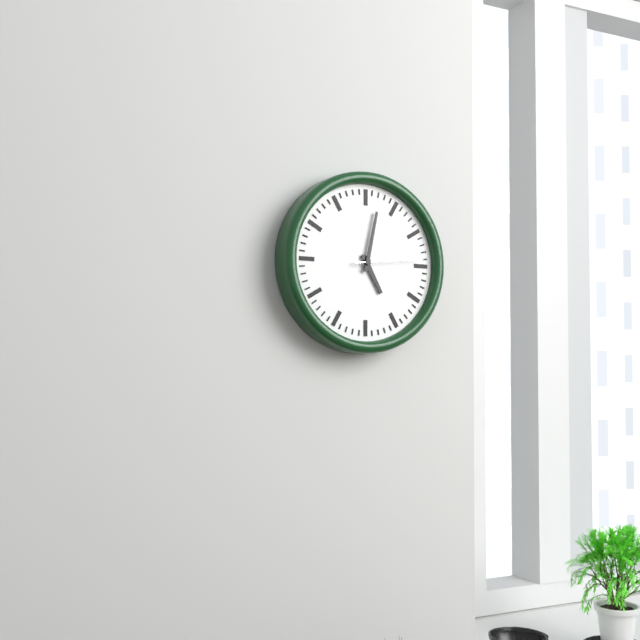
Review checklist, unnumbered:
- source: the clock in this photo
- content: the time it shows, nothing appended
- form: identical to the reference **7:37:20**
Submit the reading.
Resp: **5:02:14**
